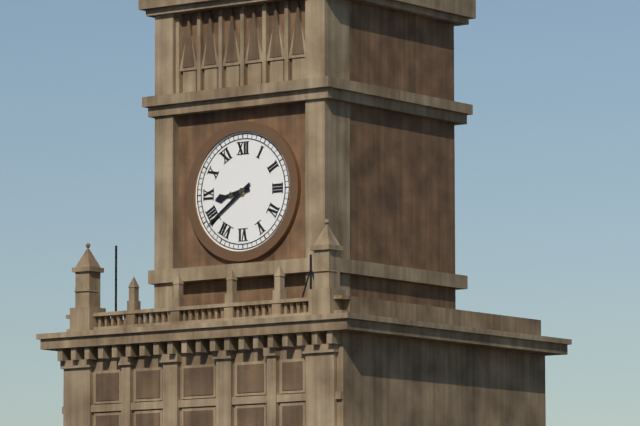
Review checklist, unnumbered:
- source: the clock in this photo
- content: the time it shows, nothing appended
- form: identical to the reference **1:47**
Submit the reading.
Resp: **8:39**
